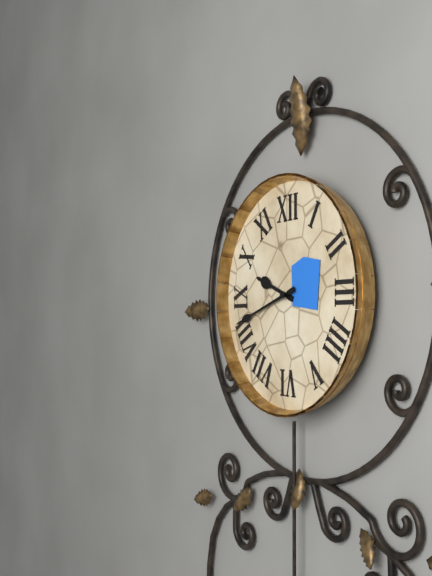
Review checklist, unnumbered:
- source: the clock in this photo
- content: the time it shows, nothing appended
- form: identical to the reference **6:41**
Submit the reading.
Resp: **9:42**
